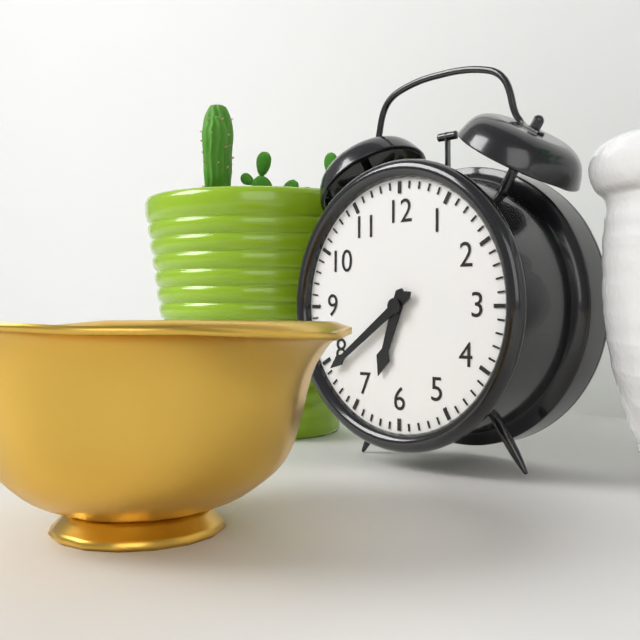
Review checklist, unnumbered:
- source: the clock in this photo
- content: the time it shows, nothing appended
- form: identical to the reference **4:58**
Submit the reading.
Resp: **6:39**
